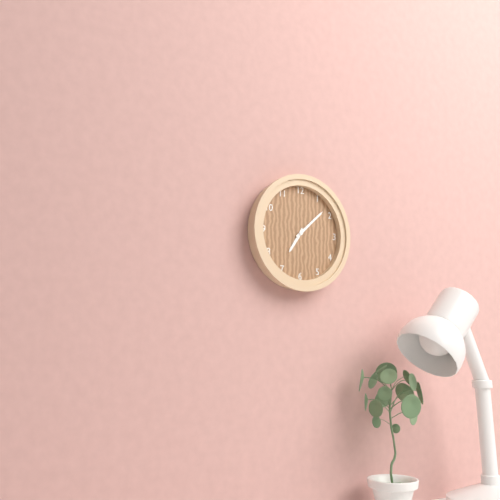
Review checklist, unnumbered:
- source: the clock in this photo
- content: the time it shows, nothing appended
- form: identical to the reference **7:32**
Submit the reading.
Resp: **7:08**
